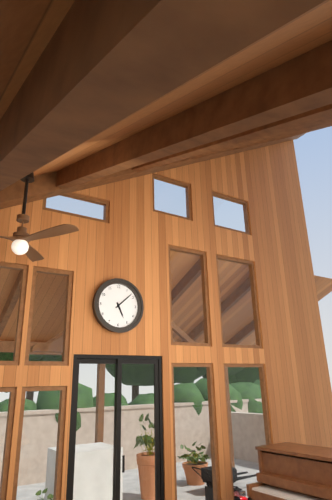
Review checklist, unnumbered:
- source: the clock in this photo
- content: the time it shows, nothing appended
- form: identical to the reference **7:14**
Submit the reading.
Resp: **5:08**
